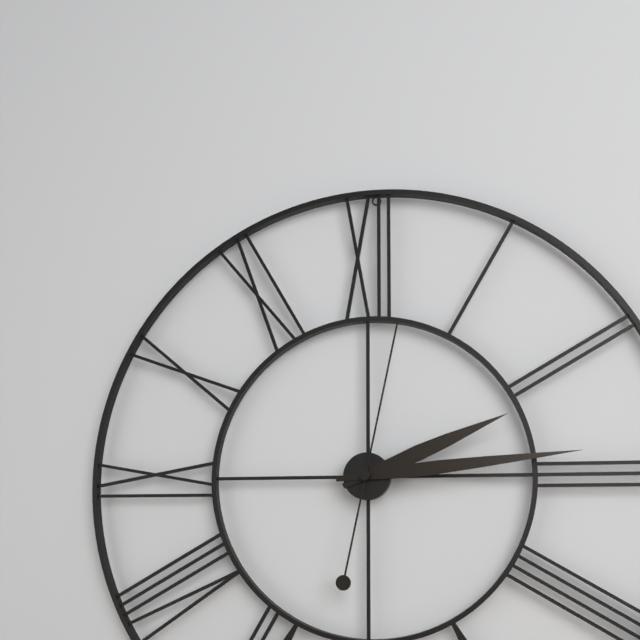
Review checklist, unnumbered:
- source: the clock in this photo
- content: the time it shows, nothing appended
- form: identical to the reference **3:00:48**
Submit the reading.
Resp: **2:14:02**
